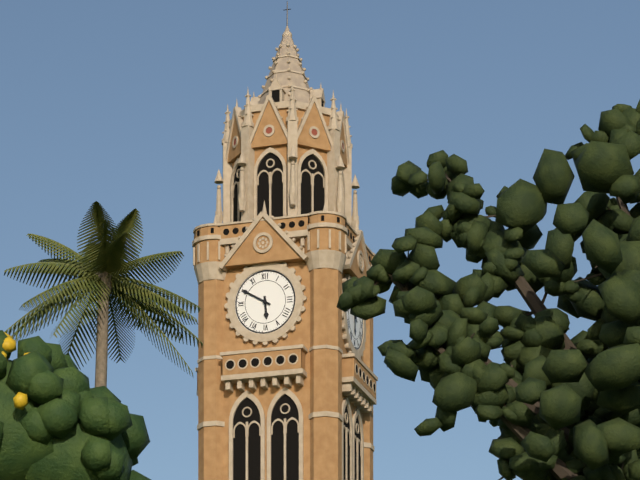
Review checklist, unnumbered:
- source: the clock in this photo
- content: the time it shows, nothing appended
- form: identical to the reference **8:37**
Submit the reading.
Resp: **5:50**
